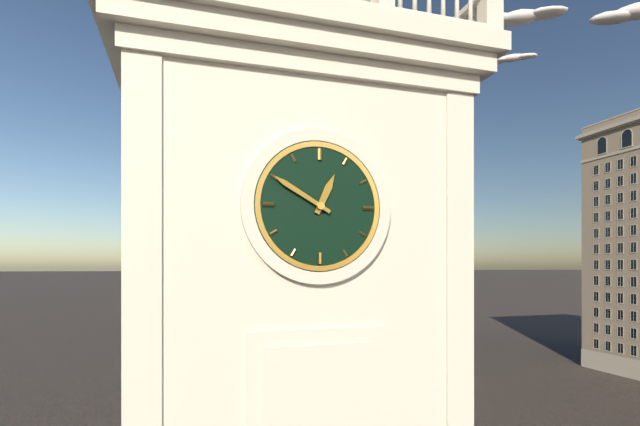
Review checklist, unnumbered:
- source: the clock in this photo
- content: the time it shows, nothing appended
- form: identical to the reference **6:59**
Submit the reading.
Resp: **12:50**
